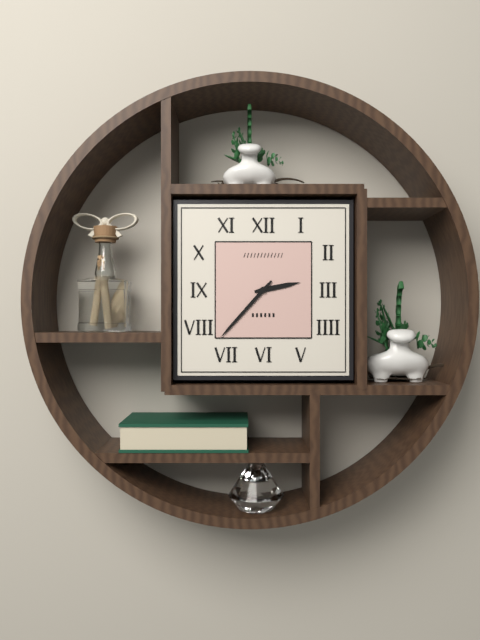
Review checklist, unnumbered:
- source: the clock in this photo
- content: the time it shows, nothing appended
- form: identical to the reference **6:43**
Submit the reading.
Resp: **2:37**
